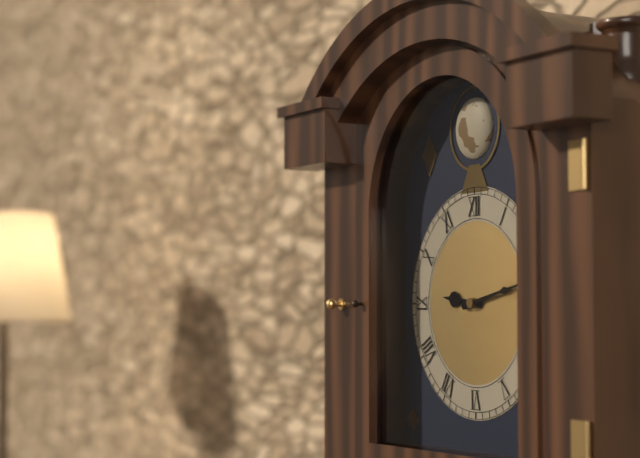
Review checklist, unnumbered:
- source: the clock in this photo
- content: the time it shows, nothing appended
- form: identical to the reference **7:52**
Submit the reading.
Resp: **9:13**
